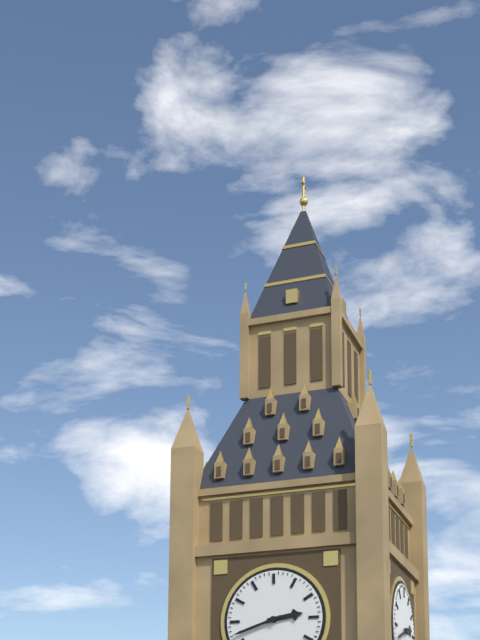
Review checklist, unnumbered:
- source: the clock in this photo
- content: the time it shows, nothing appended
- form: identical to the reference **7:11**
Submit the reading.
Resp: **2:42**
